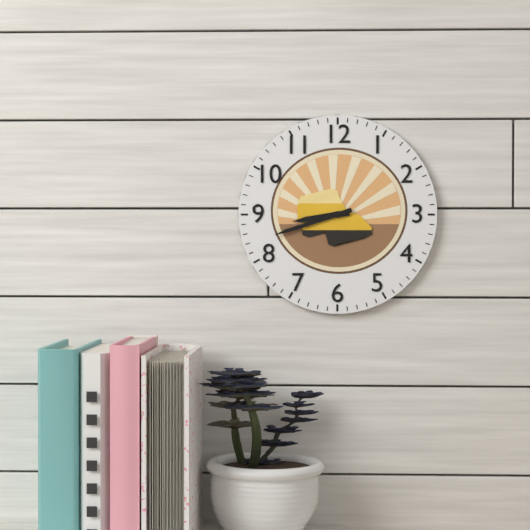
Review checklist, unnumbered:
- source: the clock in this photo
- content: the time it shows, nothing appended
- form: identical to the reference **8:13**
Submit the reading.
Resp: **8:42**
